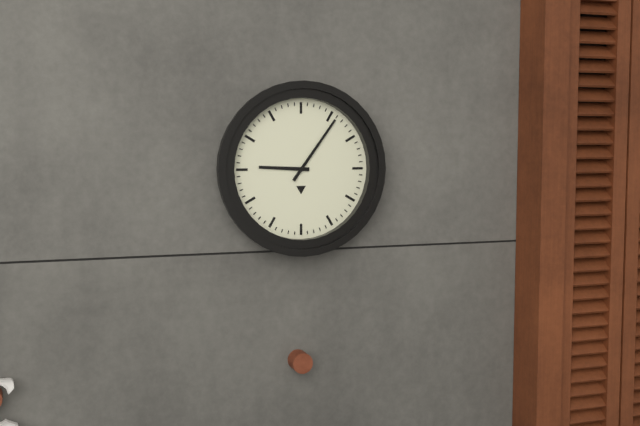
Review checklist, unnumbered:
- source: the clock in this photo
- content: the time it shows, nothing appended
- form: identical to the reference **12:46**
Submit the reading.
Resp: **9:06**
